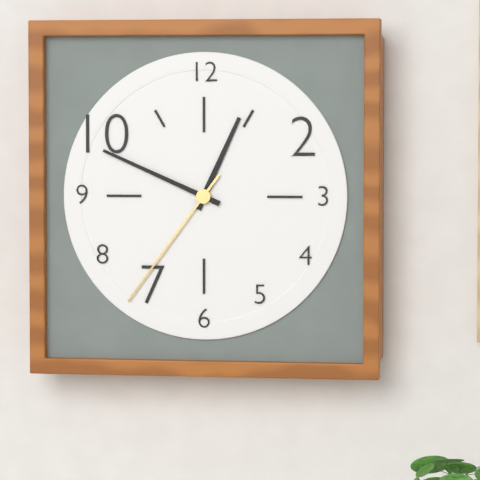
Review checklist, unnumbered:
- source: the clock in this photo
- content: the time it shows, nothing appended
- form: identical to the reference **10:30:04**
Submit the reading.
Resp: **12:49:36**
